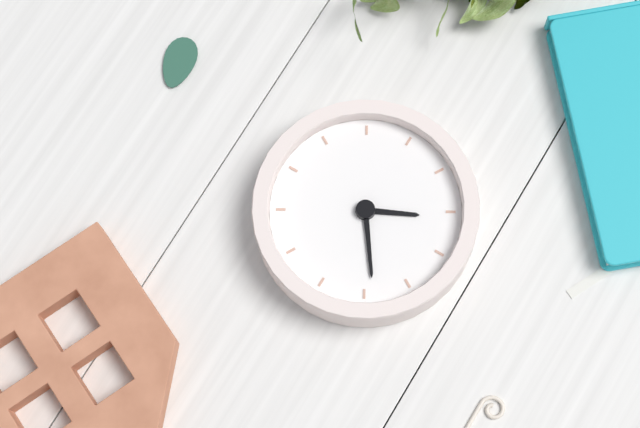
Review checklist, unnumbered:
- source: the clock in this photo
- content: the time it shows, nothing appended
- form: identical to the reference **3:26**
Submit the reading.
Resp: **11:09**
